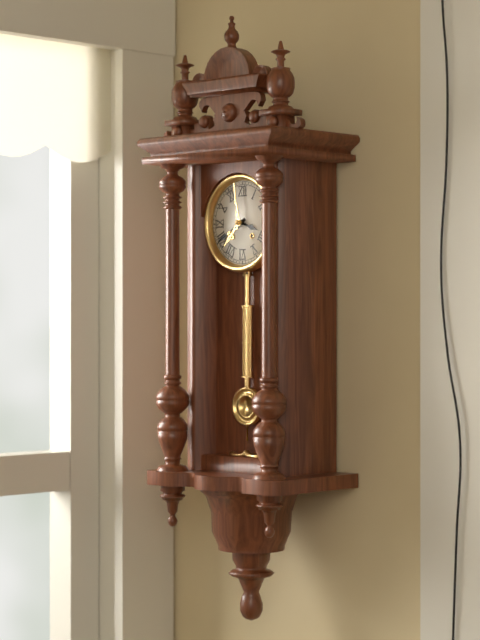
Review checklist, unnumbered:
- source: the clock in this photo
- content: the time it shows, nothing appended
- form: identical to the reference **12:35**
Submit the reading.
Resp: **3:40**
